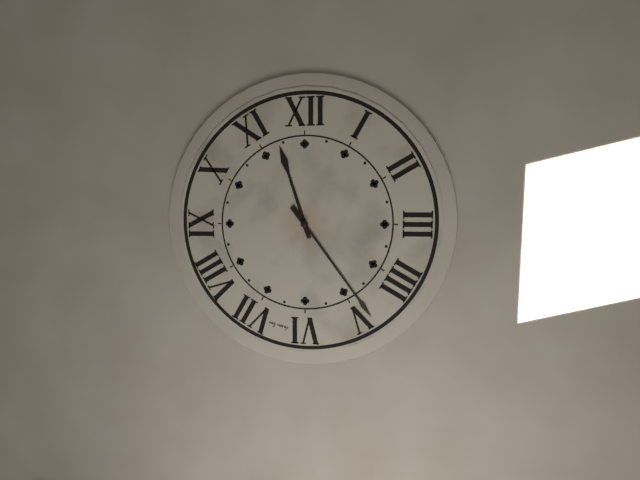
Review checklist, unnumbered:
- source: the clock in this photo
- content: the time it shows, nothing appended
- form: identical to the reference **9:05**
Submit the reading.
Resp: **11:24**
